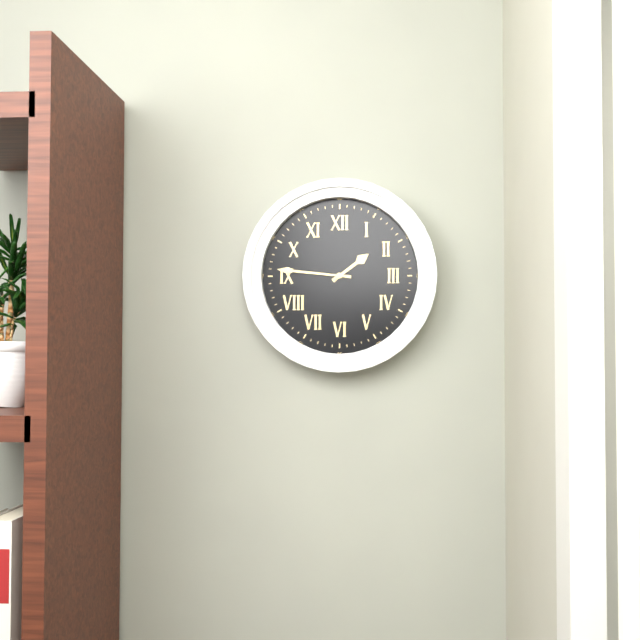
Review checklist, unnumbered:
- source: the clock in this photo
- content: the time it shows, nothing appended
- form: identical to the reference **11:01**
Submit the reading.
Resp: **1:46**
